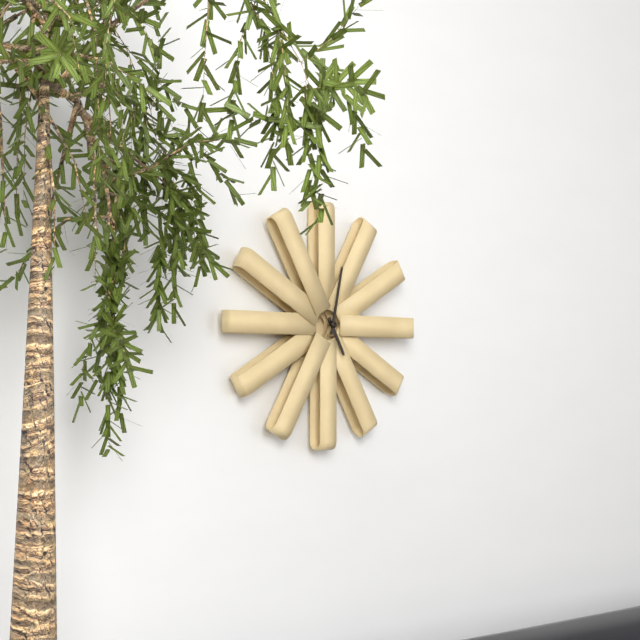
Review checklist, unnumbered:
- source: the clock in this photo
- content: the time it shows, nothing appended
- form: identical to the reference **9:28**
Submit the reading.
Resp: **5:02**
